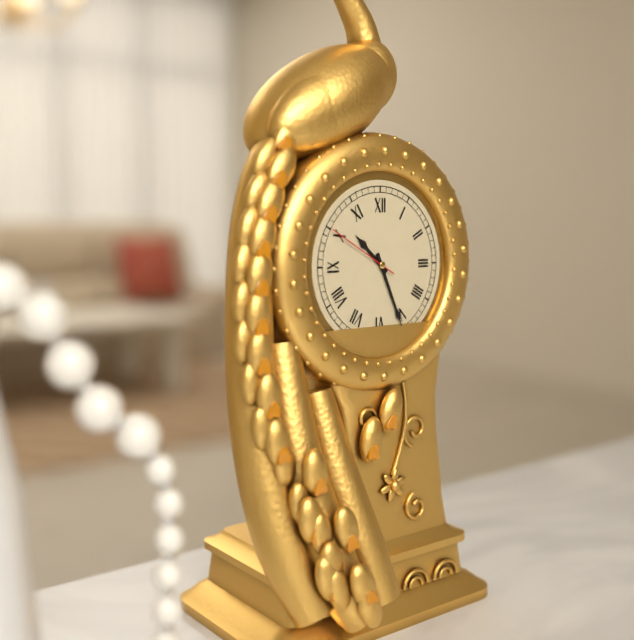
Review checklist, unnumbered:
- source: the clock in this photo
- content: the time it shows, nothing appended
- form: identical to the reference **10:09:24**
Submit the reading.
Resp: **10:26:50**
